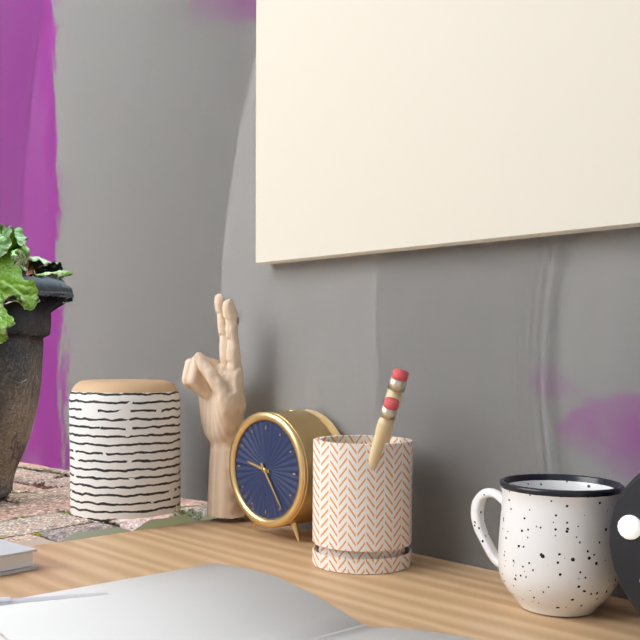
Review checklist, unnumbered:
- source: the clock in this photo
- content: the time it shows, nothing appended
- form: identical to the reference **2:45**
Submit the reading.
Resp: **9:24**
